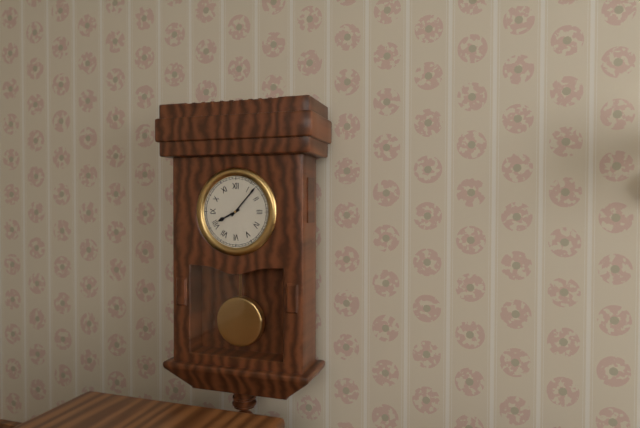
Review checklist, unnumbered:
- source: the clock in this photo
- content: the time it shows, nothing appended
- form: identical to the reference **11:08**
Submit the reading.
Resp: **8:07**
